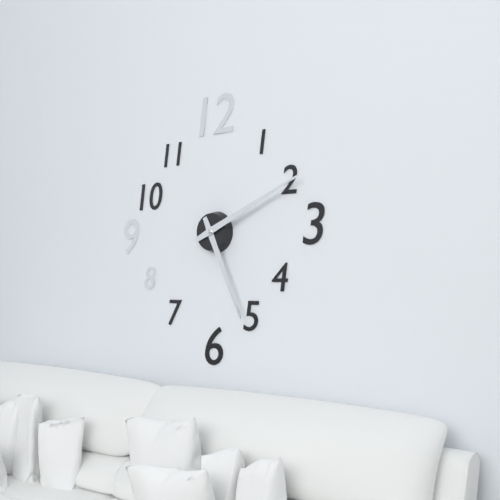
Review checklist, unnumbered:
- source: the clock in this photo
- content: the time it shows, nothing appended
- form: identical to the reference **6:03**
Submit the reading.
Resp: **5:11**
